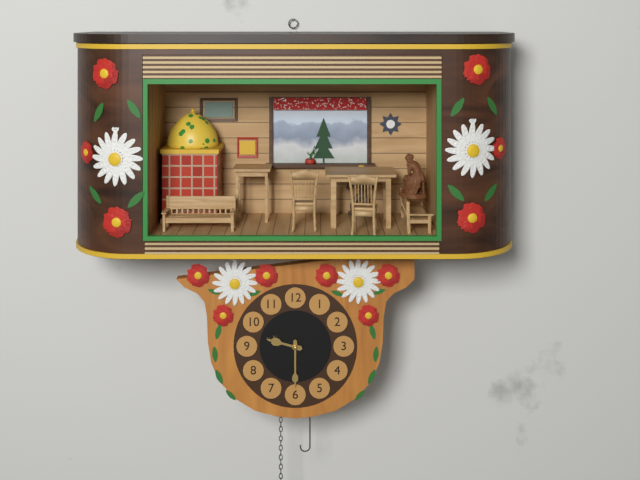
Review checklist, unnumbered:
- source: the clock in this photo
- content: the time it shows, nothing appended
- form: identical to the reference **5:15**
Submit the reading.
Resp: **9:30**
